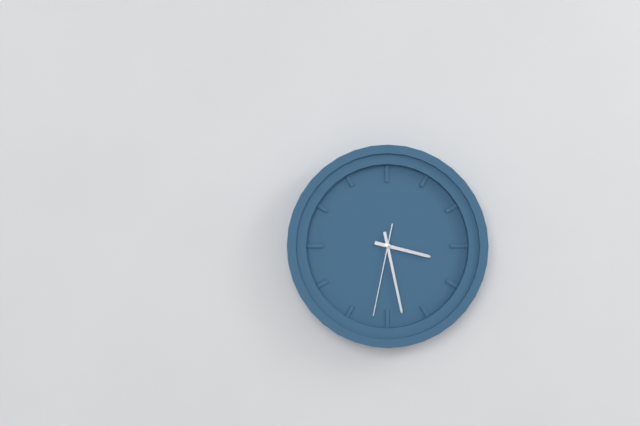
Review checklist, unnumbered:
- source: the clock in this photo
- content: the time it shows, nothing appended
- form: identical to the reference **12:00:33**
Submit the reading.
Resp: **3:28:32**
